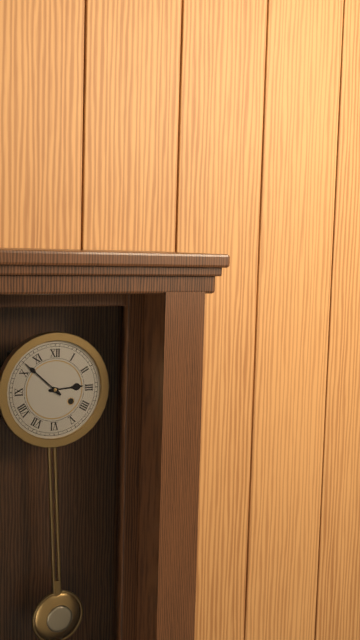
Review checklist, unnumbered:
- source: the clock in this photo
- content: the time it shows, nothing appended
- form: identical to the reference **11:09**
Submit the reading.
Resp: **2:52**
